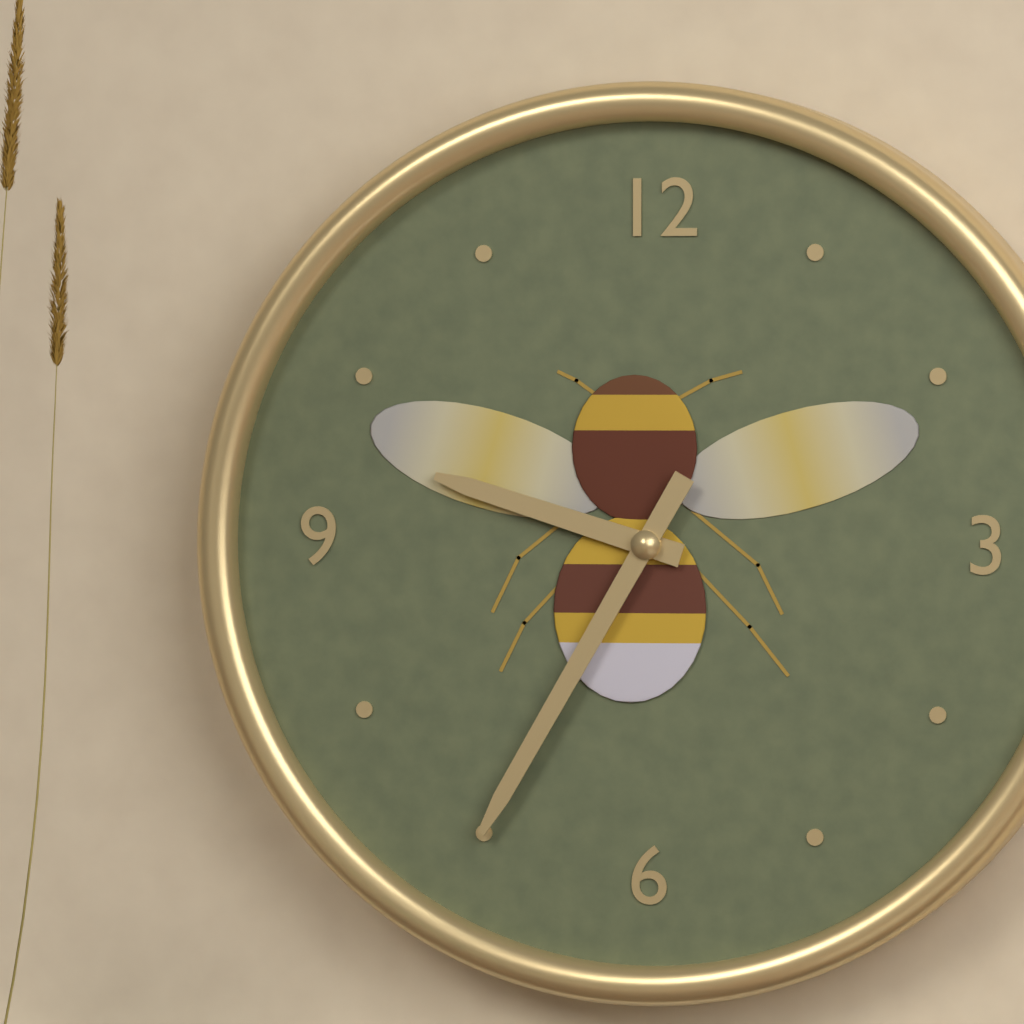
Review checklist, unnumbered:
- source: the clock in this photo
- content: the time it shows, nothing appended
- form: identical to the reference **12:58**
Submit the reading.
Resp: **9:35**
